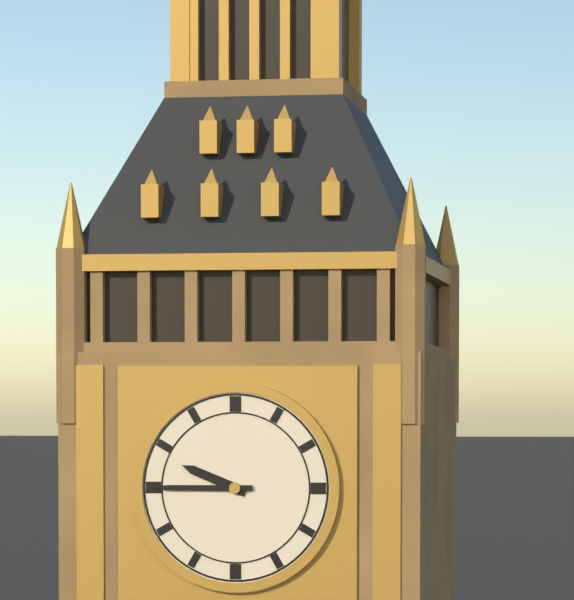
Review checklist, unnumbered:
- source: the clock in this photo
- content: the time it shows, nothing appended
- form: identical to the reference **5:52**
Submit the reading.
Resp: **9:45**
